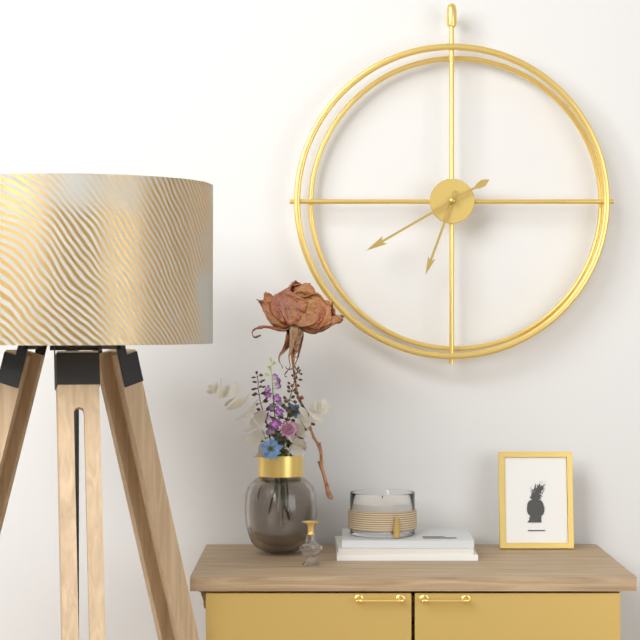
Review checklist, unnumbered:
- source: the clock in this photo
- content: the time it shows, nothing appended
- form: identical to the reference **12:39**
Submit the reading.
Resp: **6:40**
